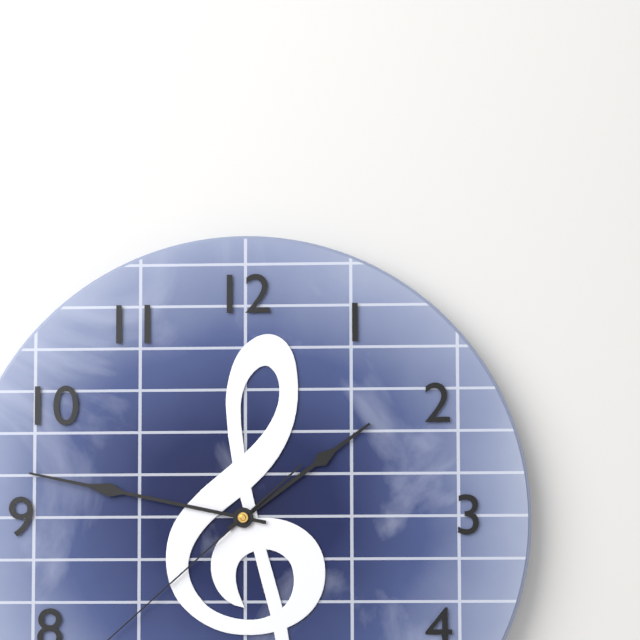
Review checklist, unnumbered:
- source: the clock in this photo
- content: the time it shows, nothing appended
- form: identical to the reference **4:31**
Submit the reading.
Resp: **1:47**
